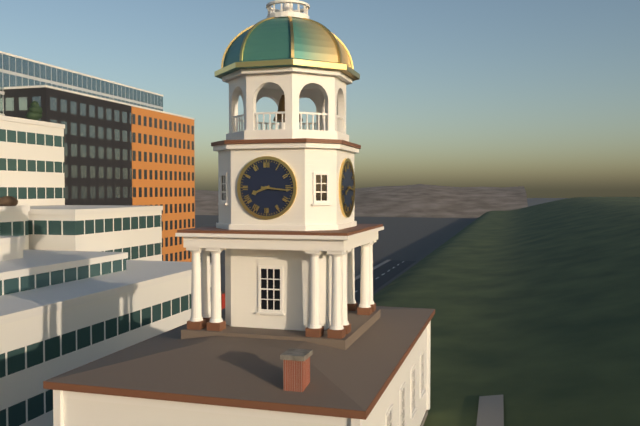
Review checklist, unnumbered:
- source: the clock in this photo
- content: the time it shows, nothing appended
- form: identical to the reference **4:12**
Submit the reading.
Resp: **8:16**
